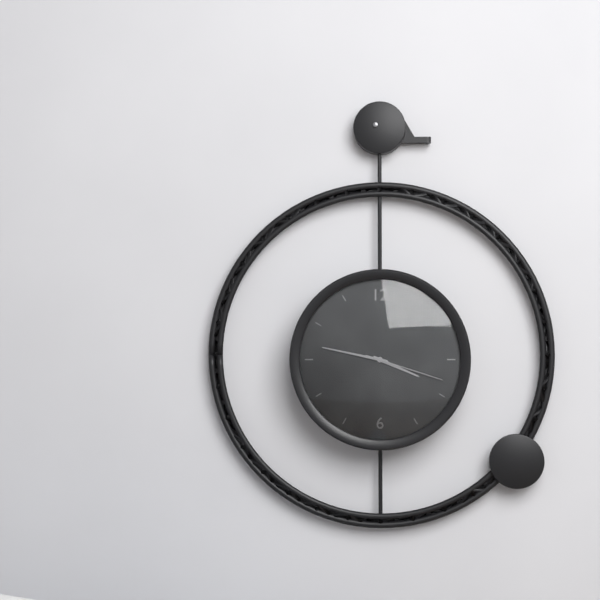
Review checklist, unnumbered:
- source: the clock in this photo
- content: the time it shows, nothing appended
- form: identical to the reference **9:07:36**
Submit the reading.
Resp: **3:47:18**
